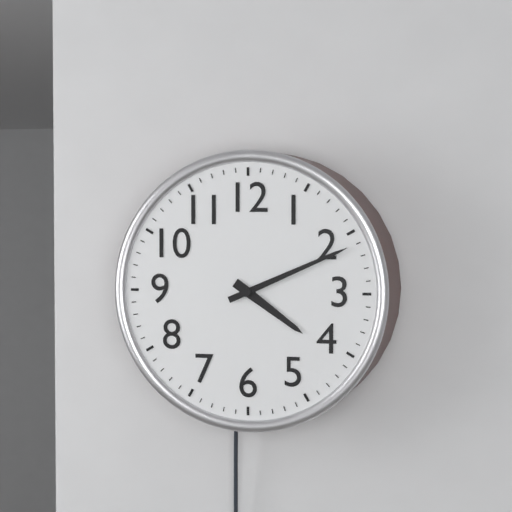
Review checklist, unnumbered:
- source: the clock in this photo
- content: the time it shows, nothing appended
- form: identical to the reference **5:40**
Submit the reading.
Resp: **4:11**
